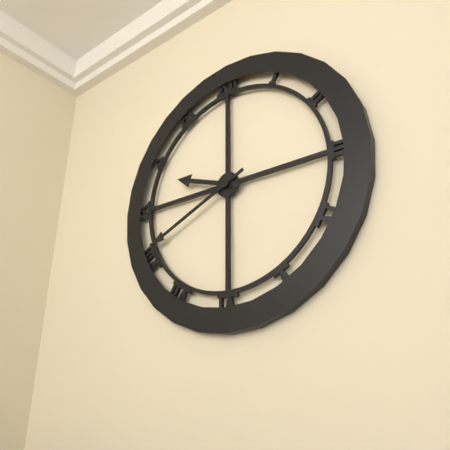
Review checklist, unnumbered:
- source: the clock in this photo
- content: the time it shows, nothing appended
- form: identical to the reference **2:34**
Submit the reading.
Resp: **9:41**
